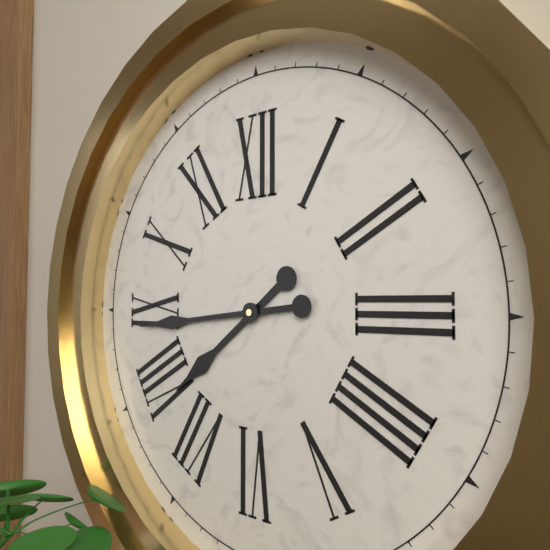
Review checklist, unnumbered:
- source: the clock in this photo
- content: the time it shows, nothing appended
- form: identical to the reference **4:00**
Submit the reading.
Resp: **7:44**
